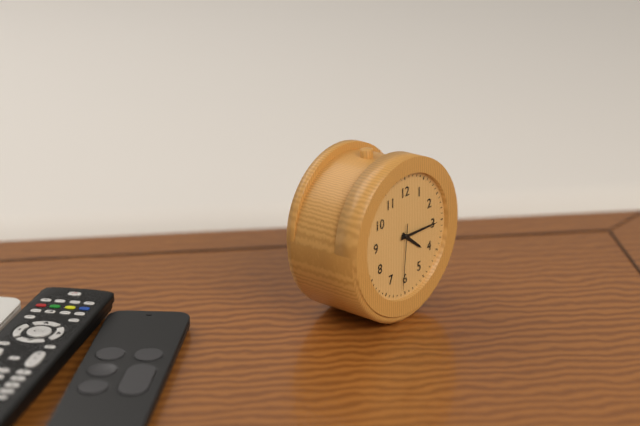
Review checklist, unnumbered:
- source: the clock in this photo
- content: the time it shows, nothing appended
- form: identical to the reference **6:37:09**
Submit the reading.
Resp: **4:15:31**
